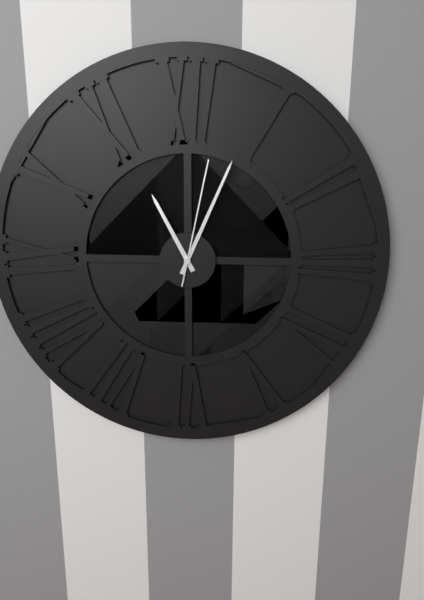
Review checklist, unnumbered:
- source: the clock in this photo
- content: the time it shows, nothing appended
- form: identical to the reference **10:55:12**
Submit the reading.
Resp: **11:04:02**
